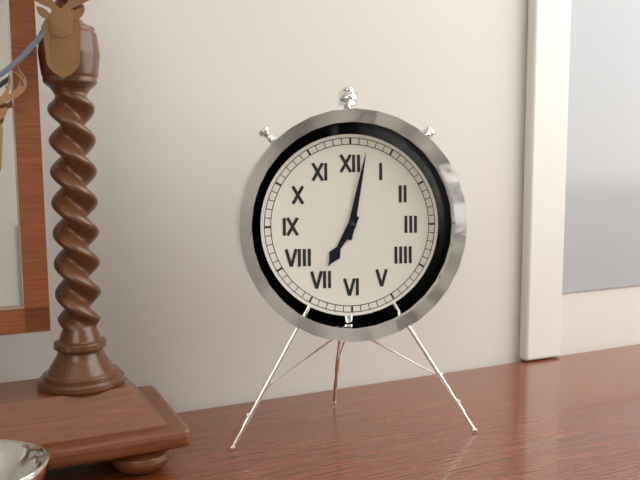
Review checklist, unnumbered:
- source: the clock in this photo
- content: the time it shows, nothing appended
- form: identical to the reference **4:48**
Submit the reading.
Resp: **7:02**
